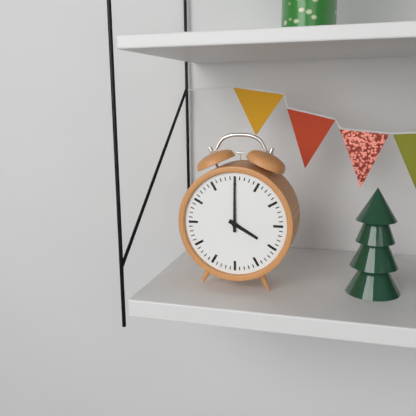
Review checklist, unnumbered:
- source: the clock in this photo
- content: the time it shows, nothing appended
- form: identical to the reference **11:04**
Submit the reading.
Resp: **4:00**
